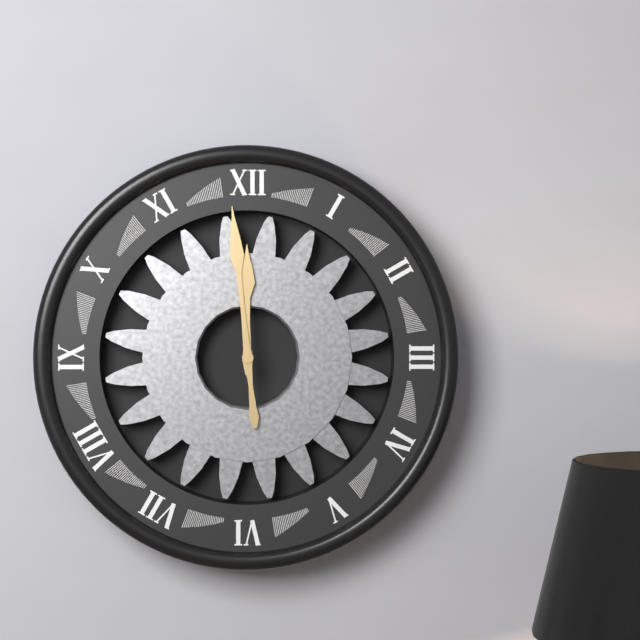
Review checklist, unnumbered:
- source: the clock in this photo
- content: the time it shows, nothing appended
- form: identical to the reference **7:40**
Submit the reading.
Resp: **11:59**
